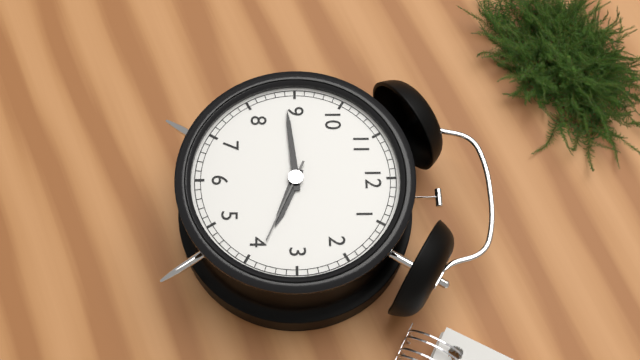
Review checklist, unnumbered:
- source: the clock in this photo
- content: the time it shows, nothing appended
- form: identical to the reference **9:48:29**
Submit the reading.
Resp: **3:44:19**
